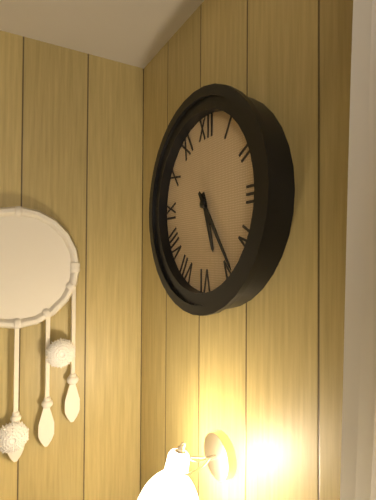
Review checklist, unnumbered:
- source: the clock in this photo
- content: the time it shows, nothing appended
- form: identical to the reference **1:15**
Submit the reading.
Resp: **5:24**
